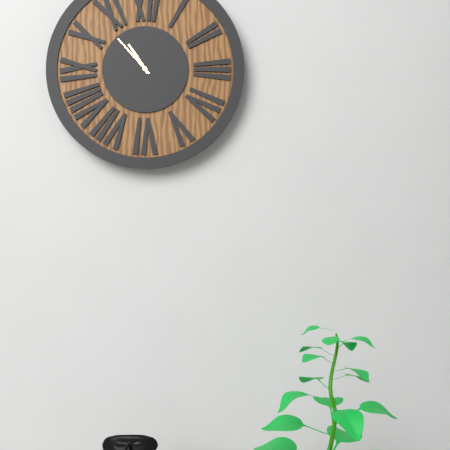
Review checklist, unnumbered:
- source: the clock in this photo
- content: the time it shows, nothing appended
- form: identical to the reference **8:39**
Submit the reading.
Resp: **10:53**
